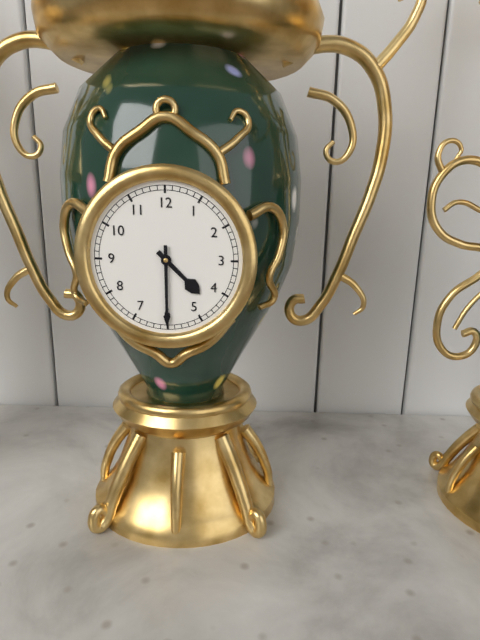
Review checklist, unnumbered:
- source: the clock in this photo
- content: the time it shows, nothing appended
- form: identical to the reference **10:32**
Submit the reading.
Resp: **4:30**
